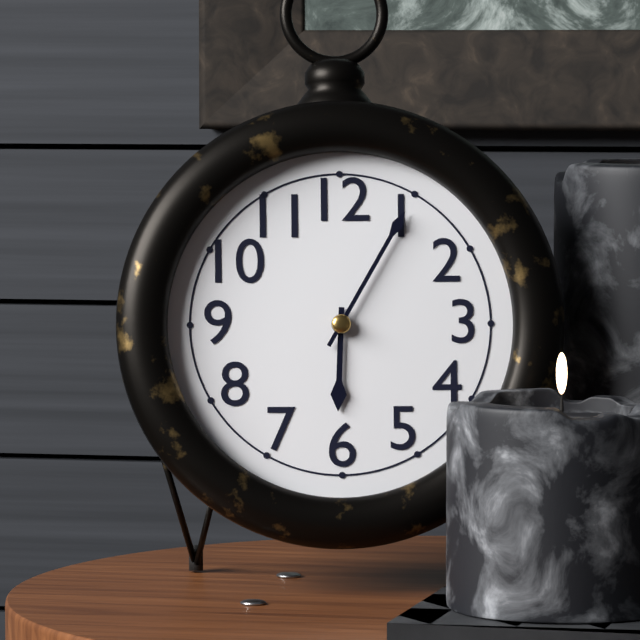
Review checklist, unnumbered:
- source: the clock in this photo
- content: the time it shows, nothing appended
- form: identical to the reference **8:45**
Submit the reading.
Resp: **6:05**
